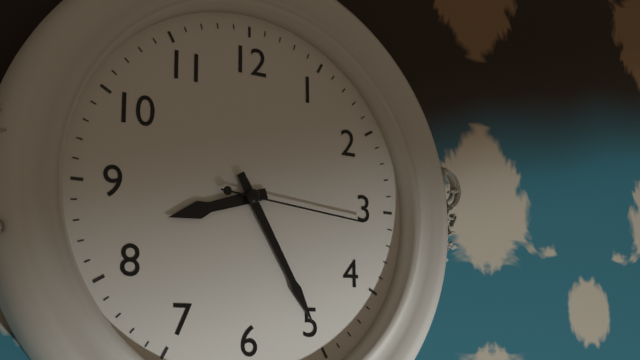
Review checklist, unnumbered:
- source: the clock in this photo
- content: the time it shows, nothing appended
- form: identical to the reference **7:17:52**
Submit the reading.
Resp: **8:25:16**
